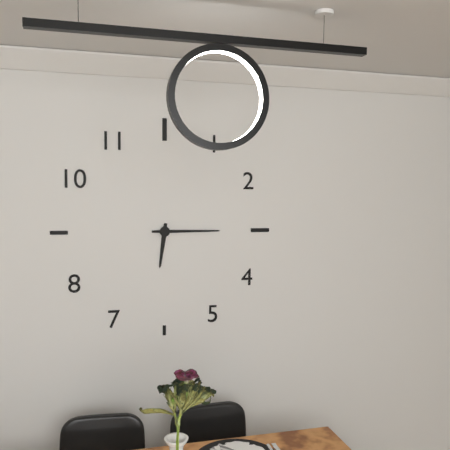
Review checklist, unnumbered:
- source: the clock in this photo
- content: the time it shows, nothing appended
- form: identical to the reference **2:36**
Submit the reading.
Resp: **6:15**
